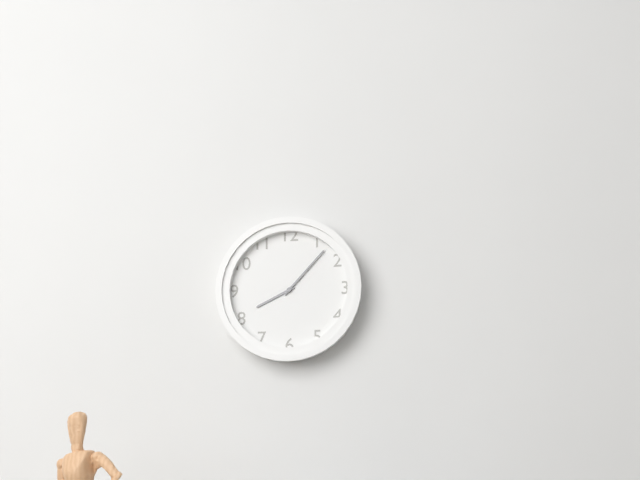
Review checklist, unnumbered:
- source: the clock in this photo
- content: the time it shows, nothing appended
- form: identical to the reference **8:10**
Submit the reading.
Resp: **8:07**
